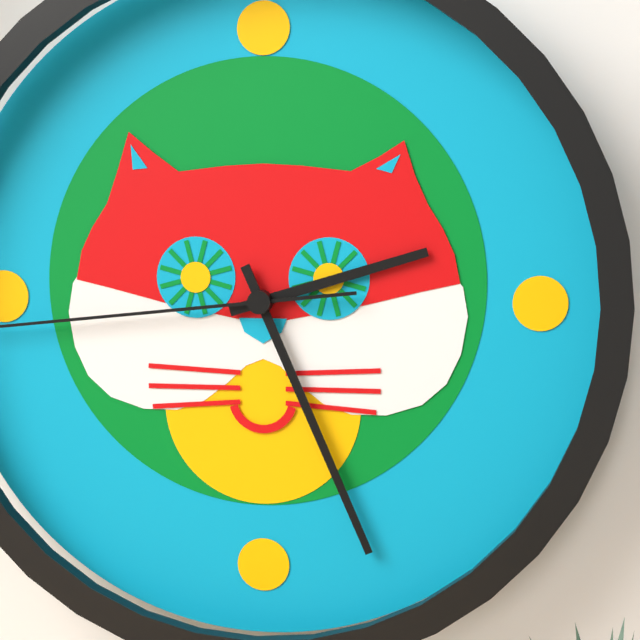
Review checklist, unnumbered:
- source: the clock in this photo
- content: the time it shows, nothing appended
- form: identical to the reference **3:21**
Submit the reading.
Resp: **2:26**
